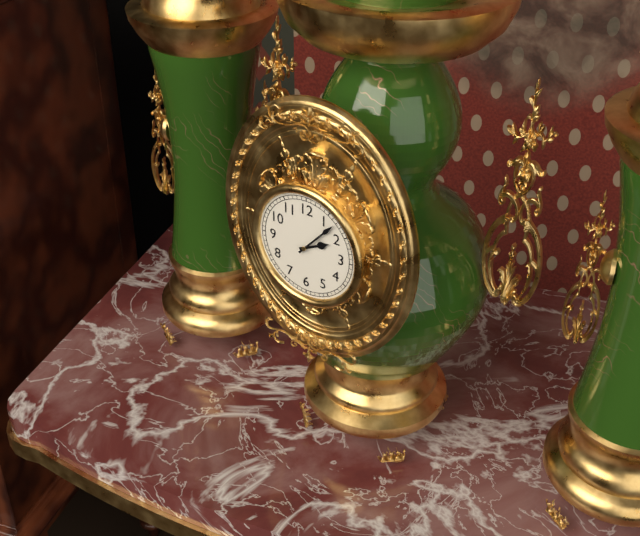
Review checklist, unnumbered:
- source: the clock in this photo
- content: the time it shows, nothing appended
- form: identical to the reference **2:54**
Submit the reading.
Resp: **2:07**
